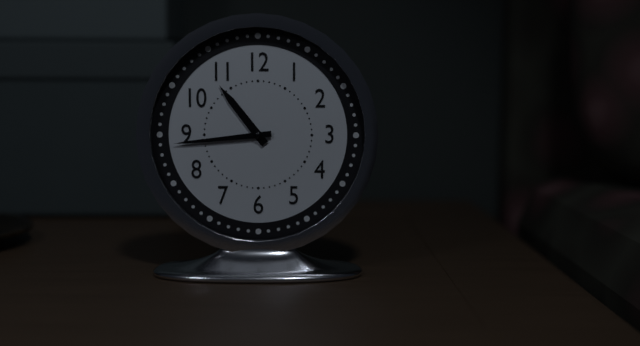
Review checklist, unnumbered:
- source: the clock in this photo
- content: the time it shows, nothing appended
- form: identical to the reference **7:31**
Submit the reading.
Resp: **10:44**
